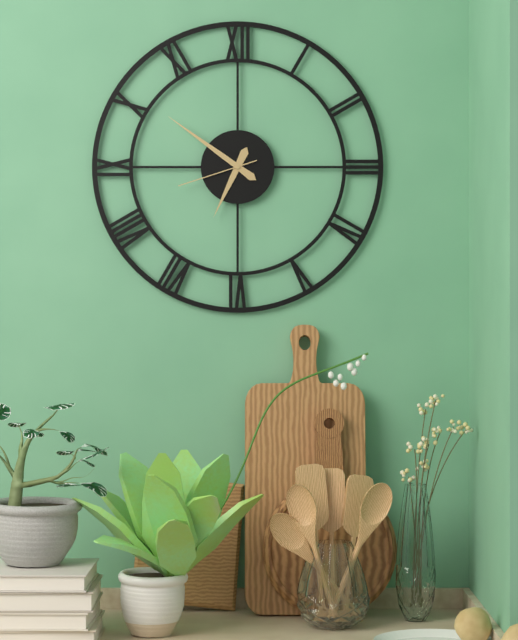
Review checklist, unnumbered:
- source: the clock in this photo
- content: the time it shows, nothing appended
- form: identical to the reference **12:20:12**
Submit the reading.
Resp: **6:51:42**
